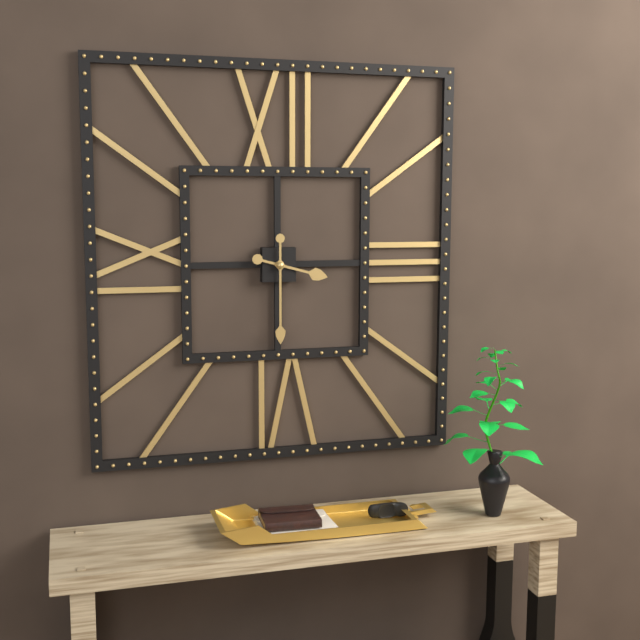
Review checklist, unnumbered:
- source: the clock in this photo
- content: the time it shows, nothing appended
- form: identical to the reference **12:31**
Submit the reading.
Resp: **3:30**
